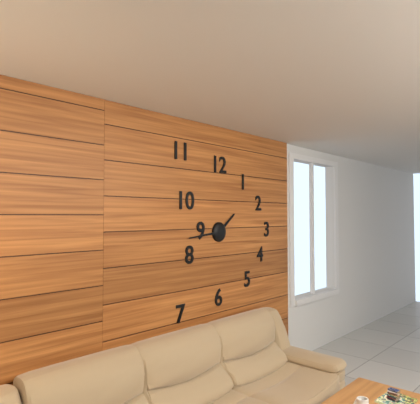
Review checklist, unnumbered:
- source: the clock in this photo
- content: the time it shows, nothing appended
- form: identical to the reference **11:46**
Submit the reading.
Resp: **1:44**
